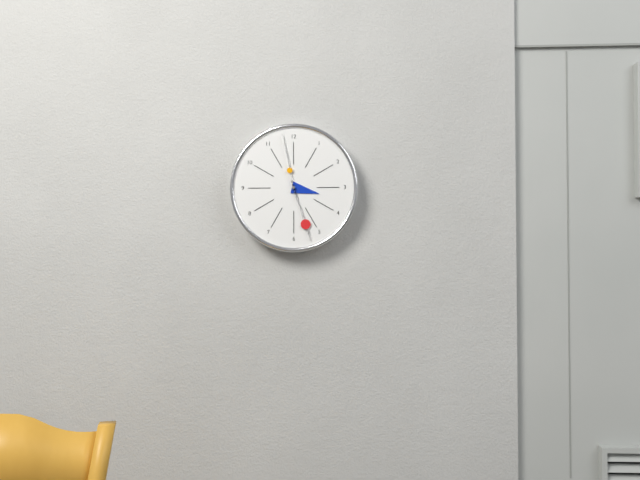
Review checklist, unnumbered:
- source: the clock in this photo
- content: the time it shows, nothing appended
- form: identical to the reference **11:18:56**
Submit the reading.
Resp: **3:27:58**
